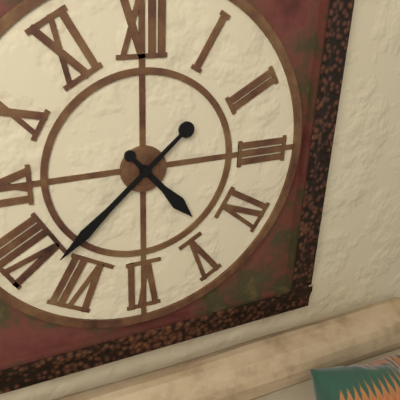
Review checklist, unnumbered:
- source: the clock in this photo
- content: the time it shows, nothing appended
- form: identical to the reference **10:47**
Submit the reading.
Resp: **4:38**
